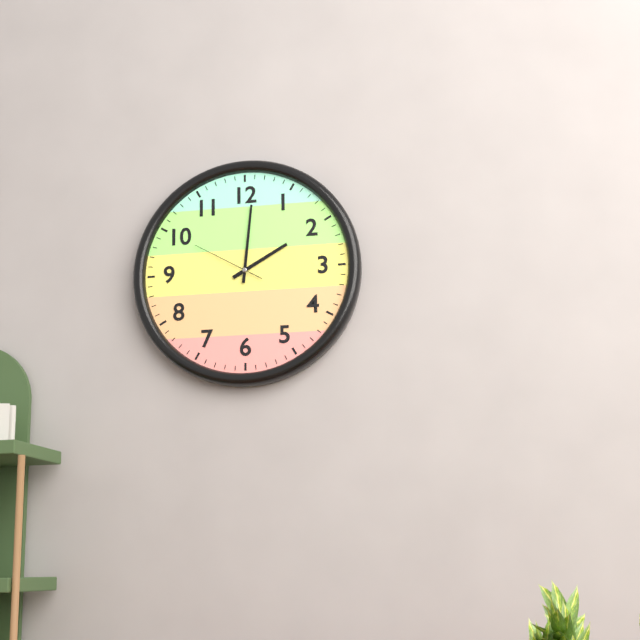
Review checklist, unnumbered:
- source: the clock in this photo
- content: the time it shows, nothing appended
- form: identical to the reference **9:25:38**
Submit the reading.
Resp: **2:01:50**
